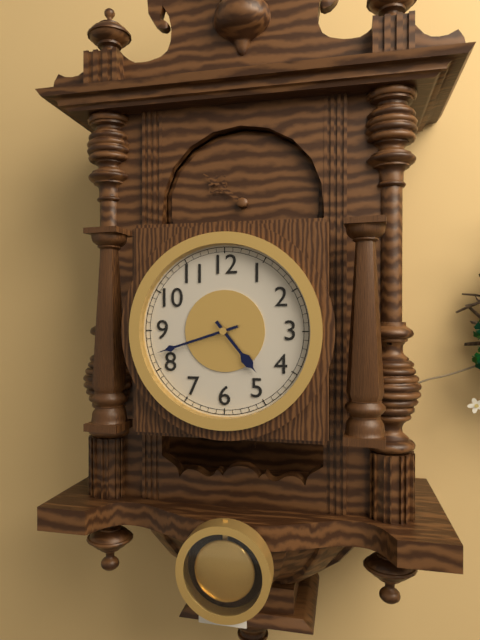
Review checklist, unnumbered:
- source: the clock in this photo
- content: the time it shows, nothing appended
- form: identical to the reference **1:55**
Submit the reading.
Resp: **4:42**
